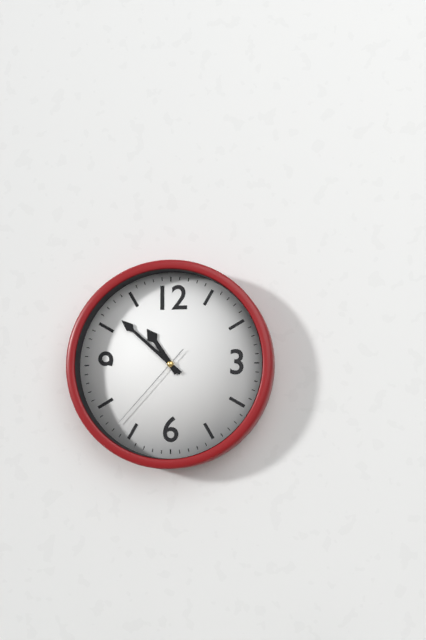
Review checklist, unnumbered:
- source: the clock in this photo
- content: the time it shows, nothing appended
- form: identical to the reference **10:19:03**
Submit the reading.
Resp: **10:52:37**
